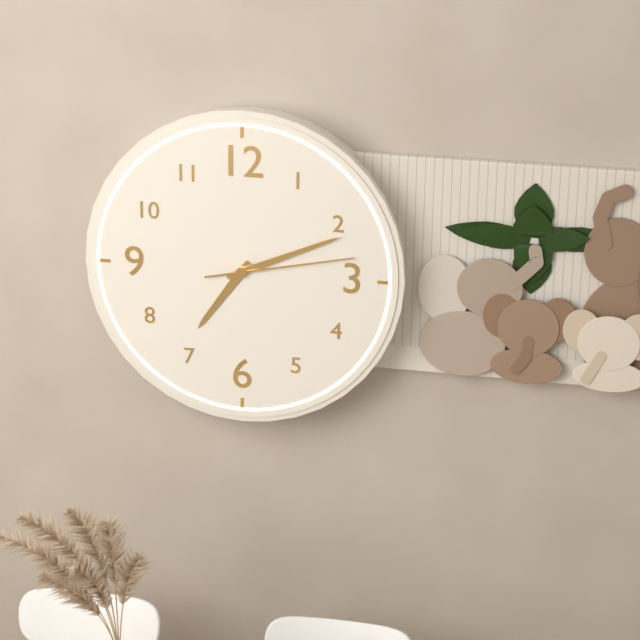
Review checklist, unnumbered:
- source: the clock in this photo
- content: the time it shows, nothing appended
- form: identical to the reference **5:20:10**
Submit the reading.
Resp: **7:11:13**
